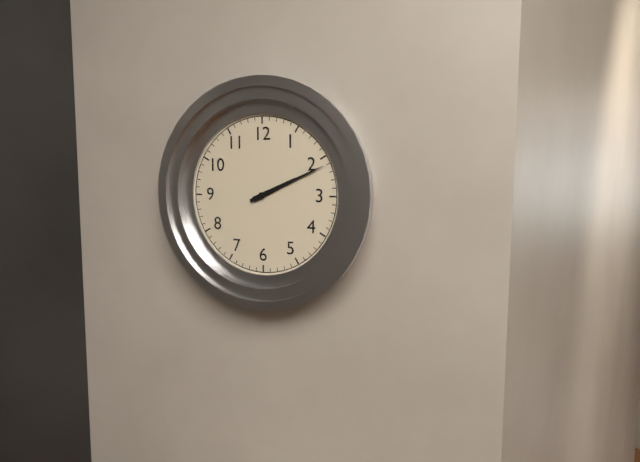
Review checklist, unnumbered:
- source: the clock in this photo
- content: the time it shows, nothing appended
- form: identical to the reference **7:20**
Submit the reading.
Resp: **2:11**
